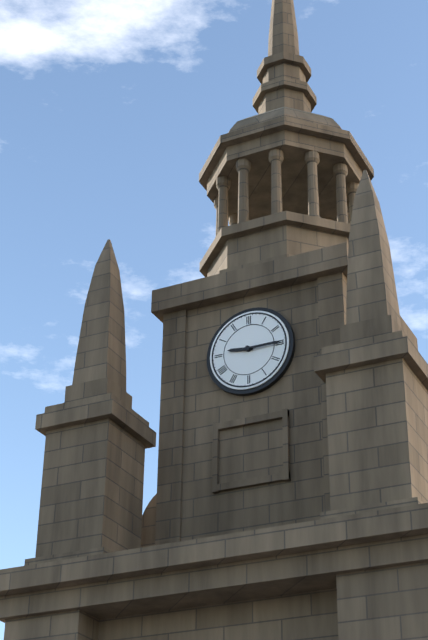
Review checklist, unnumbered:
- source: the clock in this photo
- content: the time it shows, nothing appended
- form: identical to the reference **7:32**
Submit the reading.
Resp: **9:15**
